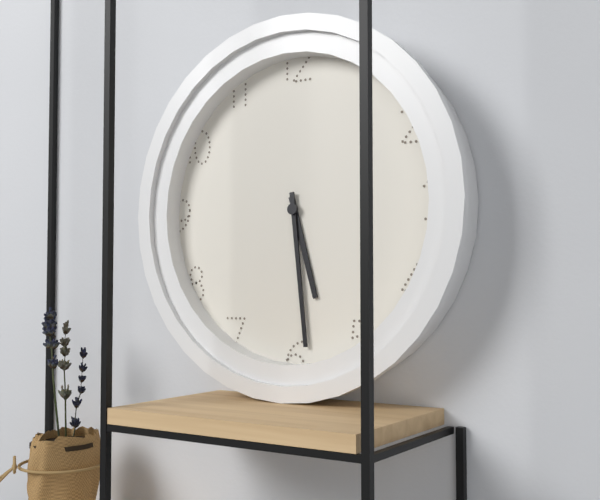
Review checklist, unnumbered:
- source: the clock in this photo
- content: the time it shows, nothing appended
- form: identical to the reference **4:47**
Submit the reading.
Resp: **5:29**
